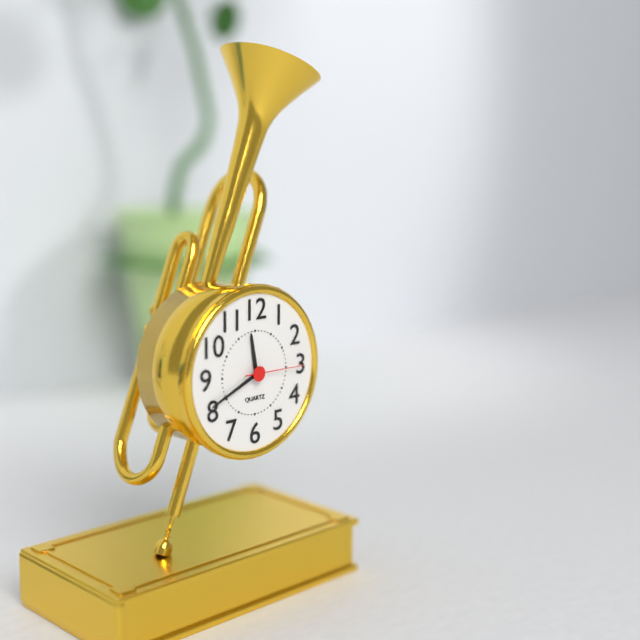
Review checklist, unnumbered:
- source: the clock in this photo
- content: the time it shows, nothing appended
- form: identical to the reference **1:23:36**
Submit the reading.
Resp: **11:41:15**
